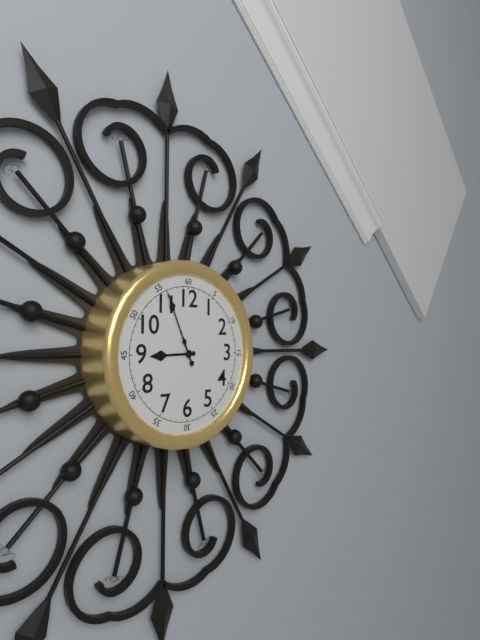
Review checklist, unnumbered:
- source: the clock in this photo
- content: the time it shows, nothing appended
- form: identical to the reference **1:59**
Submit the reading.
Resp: **8:56**
